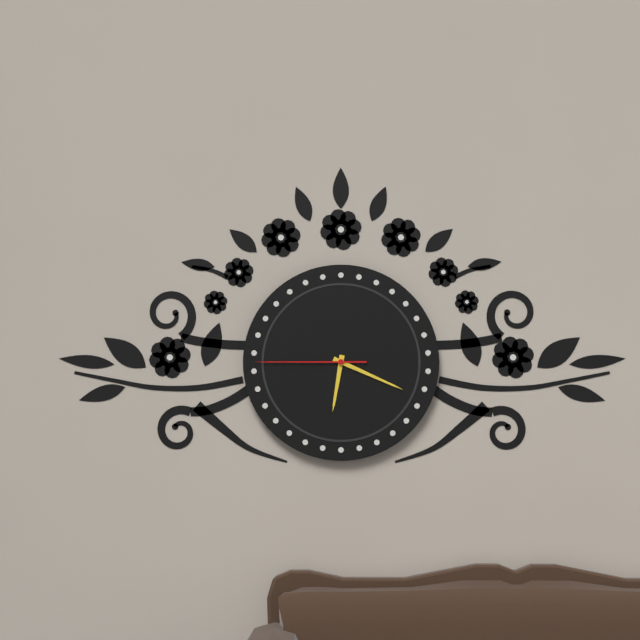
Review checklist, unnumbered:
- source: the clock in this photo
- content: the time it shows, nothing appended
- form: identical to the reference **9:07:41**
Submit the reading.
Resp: **6:19:45**
